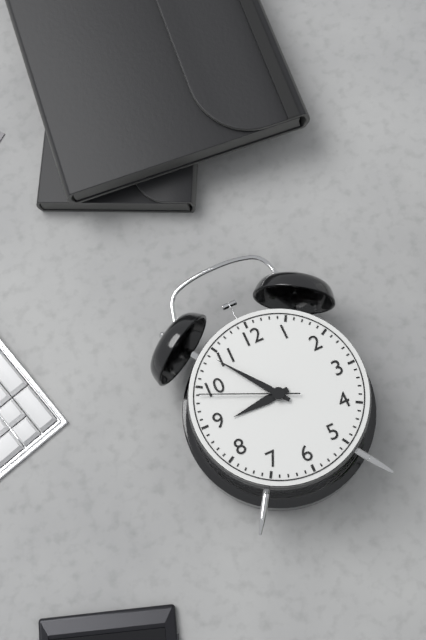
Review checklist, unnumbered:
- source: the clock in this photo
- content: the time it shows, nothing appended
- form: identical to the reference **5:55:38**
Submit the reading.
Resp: **8:54:49**
